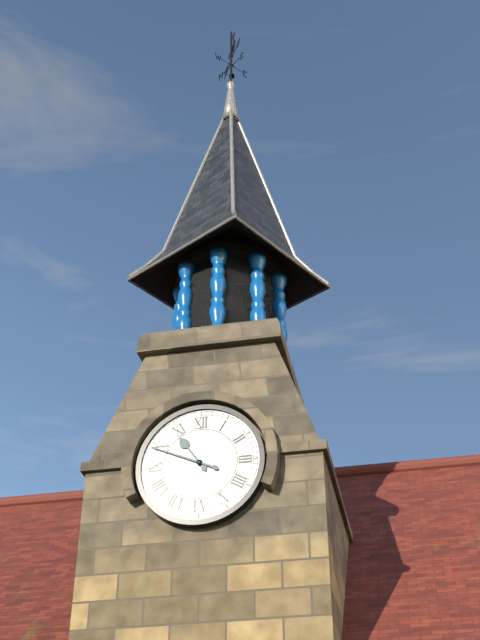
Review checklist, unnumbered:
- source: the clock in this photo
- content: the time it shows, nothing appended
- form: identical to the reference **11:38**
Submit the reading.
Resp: **10:49**
